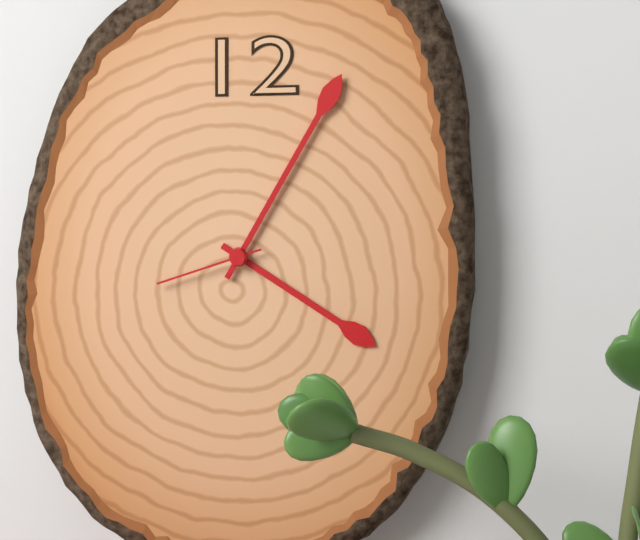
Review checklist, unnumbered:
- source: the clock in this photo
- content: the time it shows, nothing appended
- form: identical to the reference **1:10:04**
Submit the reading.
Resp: **4:05:42**
